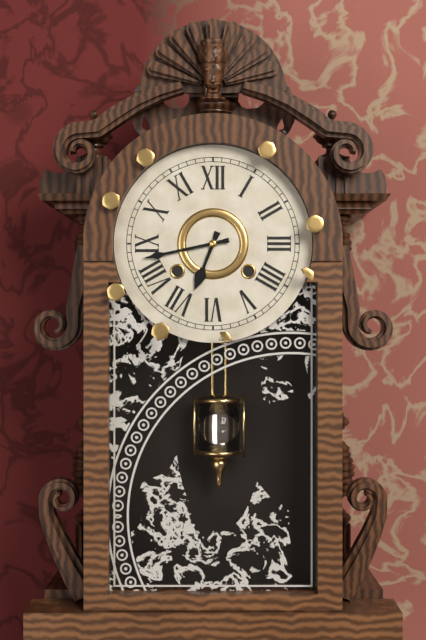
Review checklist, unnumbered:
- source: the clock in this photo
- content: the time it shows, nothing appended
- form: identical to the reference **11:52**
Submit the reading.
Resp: **6:43**
